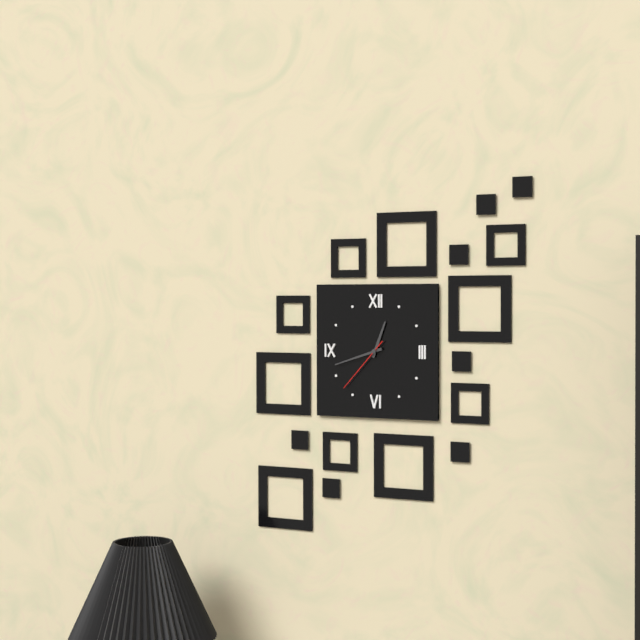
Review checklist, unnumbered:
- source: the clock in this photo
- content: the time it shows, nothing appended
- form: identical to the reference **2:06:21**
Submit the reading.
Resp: **12:42:37**
